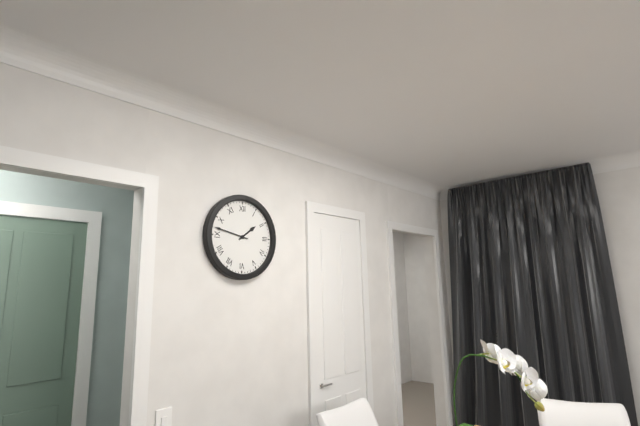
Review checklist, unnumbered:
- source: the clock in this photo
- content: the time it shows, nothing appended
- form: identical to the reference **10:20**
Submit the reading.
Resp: **1:47**
